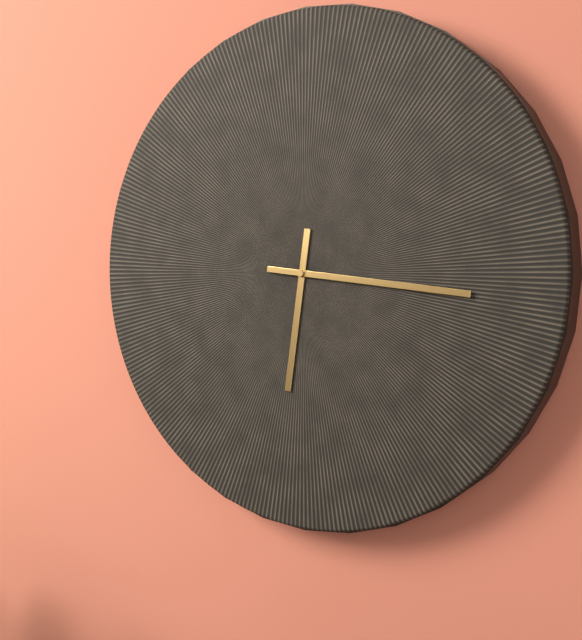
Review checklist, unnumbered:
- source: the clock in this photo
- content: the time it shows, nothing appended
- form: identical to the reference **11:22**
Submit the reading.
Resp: **6:16**
